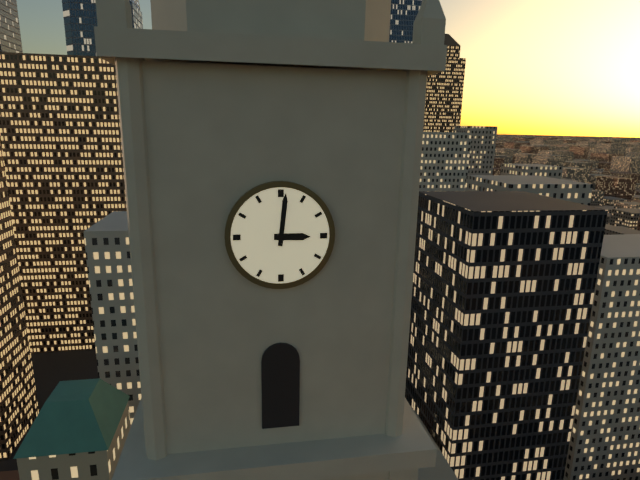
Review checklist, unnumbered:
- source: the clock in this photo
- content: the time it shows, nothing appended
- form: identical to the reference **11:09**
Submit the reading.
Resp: **3:01**
